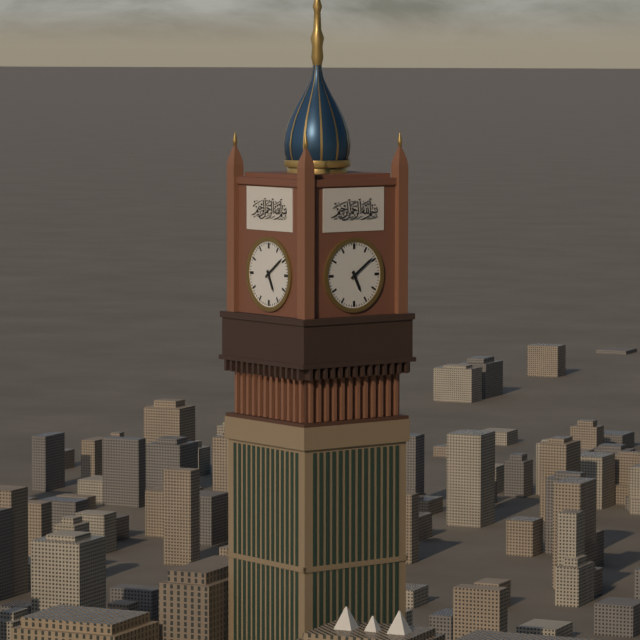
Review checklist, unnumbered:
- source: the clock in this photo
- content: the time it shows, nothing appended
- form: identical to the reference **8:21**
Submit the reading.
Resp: **5:09**
